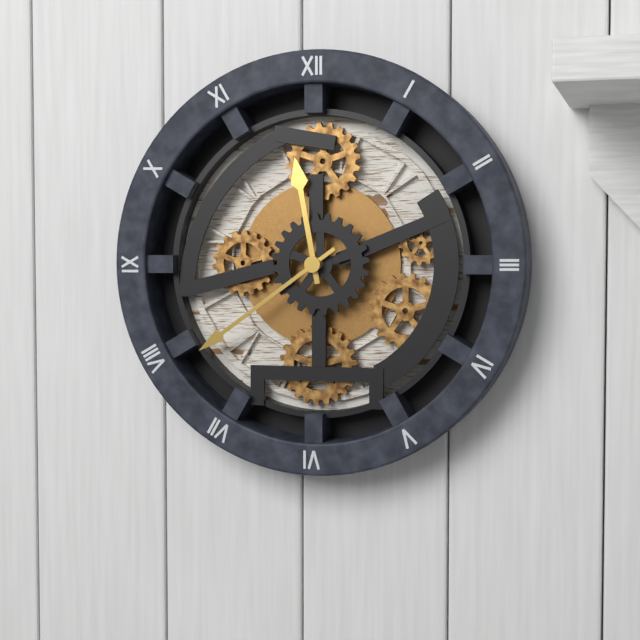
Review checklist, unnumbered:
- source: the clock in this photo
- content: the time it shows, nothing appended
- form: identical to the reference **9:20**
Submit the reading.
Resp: **11:39**
